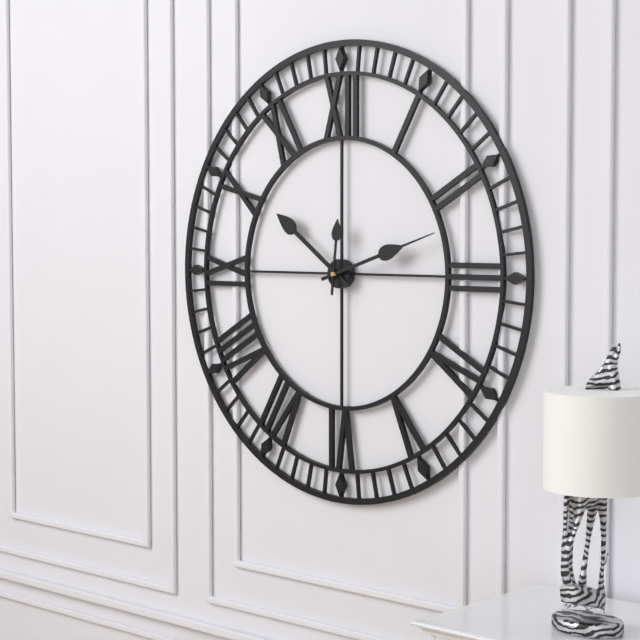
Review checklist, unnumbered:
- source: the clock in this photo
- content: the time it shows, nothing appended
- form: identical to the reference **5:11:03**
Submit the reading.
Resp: **10:12:01**
